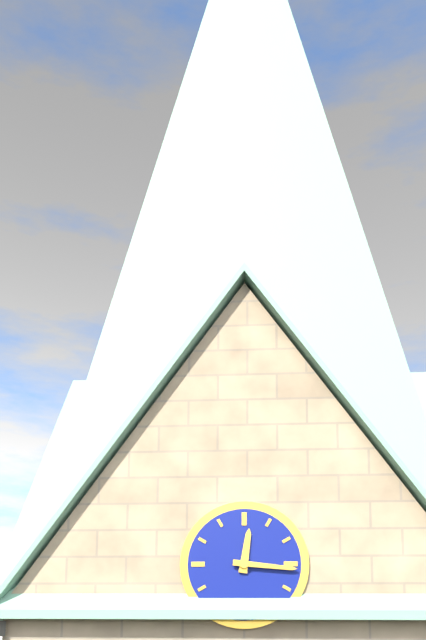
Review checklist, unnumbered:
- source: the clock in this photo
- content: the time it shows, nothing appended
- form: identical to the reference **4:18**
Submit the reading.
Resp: **12:16**
